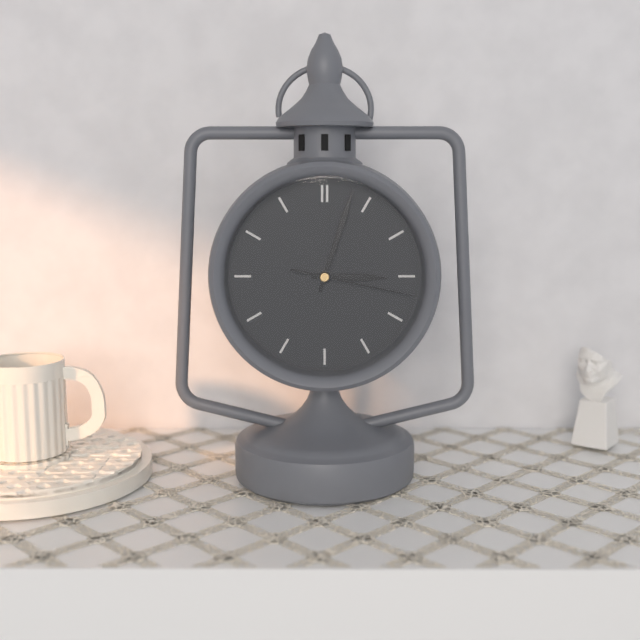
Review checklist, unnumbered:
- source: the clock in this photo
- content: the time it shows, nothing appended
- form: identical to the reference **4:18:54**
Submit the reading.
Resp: **3:03:17**
